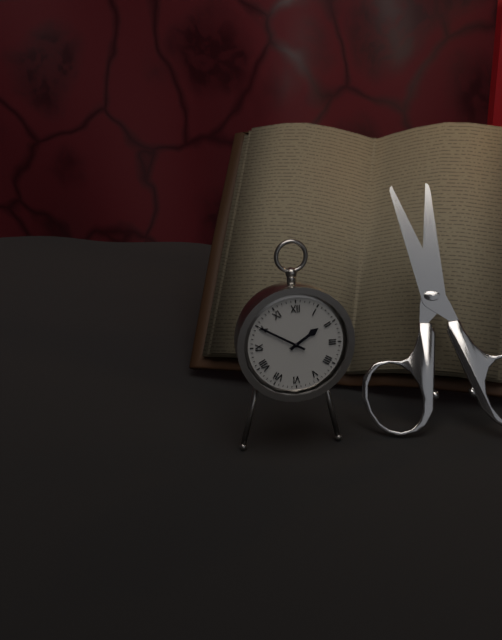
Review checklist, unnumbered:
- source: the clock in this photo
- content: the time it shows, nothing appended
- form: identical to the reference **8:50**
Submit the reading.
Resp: **1:50**
